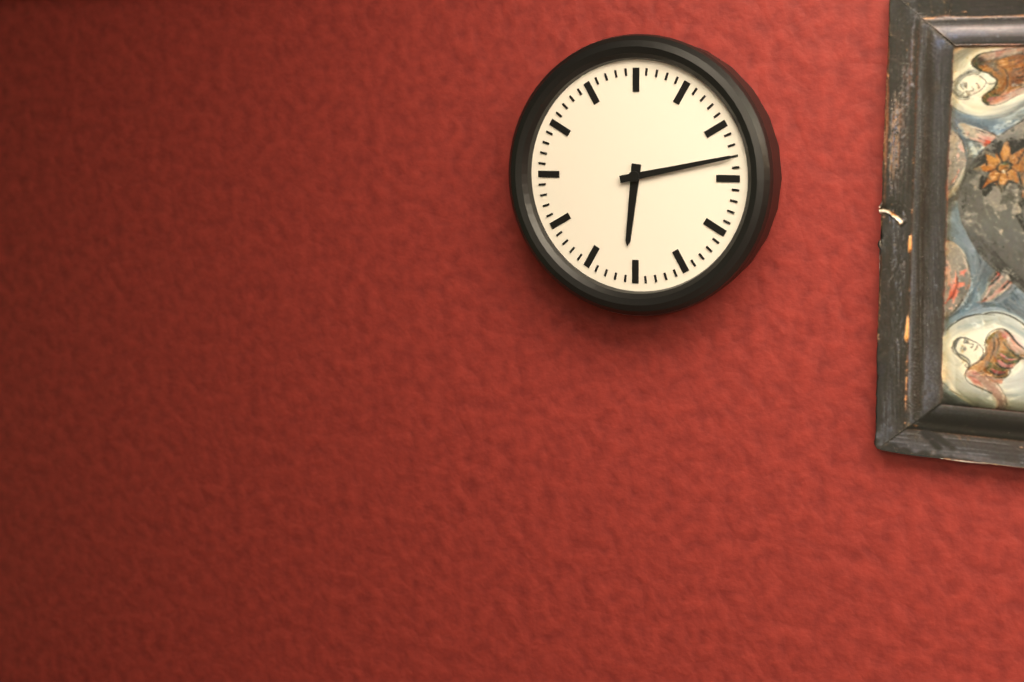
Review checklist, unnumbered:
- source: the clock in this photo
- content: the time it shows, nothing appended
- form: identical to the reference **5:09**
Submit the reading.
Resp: **6:13**
